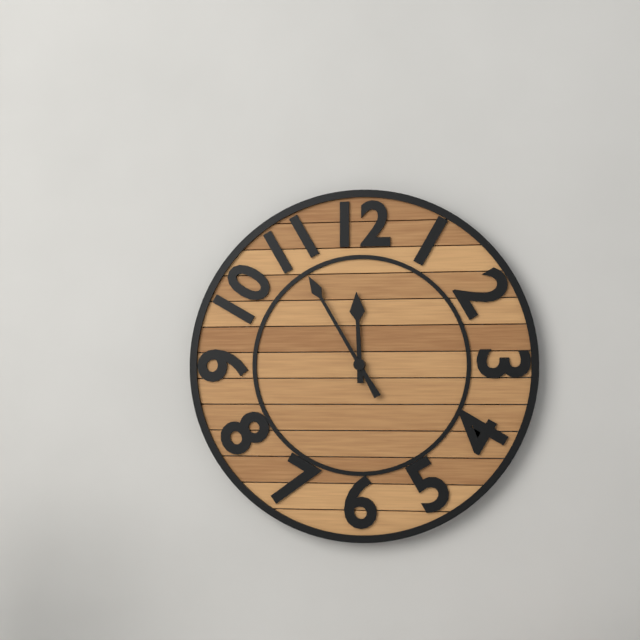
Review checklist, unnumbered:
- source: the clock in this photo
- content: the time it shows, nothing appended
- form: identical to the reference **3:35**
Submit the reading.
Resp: **11:55**
